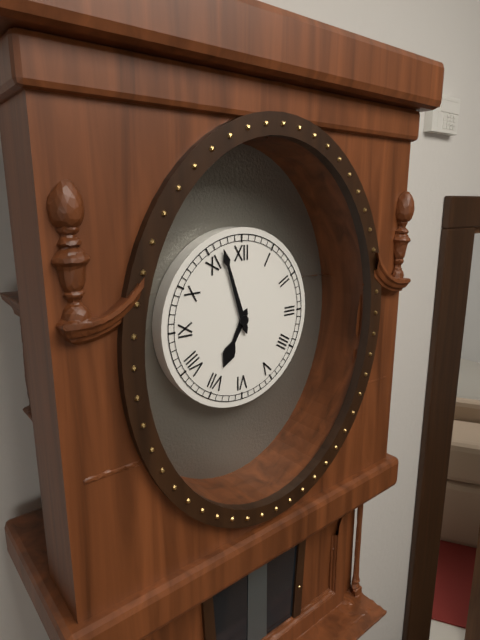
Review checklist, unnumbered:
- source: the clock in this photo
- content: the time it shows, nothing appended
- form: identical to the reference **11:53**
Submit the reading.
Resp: **6:57**
